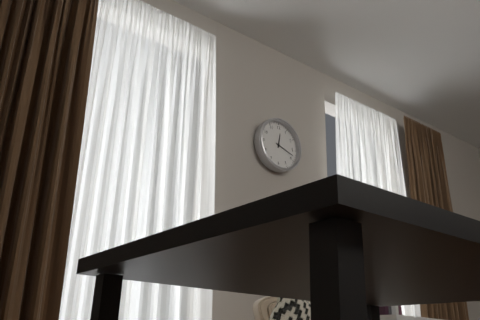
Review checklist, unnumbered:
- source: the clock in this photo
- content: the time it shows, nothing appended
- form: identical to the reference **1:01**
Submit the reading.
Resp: **12:18**
